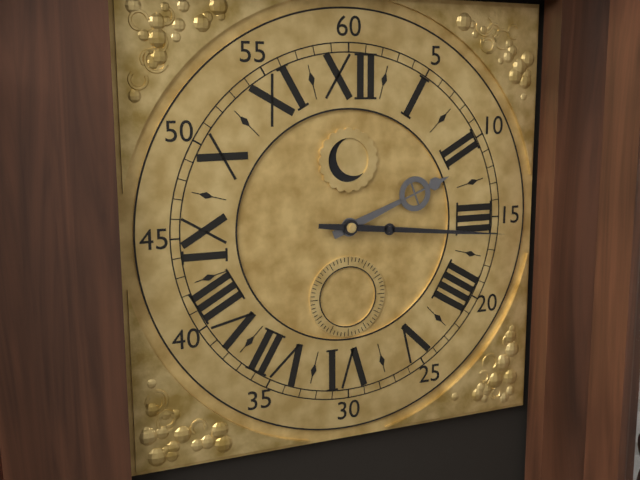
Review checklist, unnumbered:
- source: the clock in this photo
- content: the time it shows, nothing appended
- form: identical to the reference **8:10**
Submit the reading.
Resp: **2:16**
